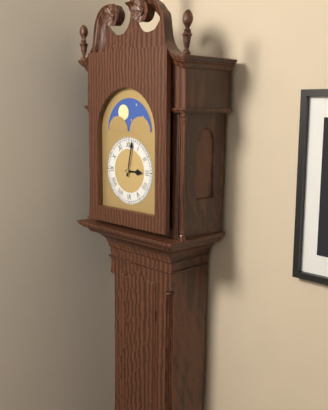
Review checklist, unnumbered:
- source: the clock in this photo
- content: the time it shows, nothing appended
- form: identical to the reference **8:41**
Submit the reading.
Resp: **3:02**
